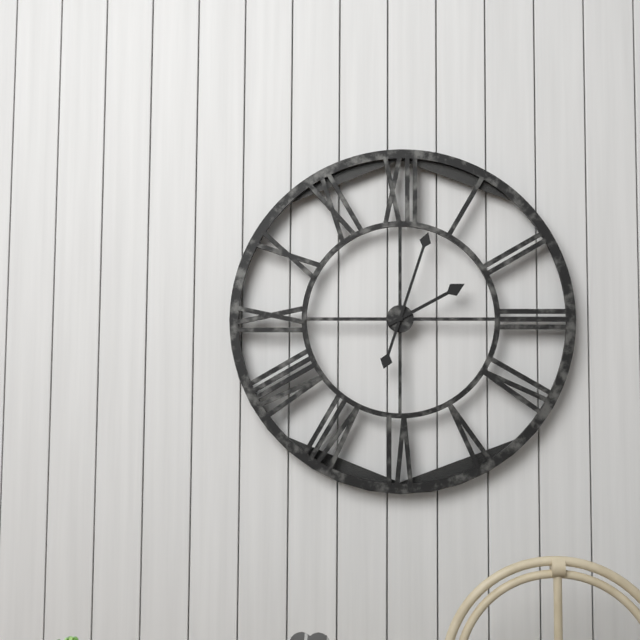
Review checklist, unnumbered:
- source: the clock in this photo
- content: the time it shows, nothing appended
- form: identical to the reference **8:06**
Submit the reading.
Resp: **2:03**
